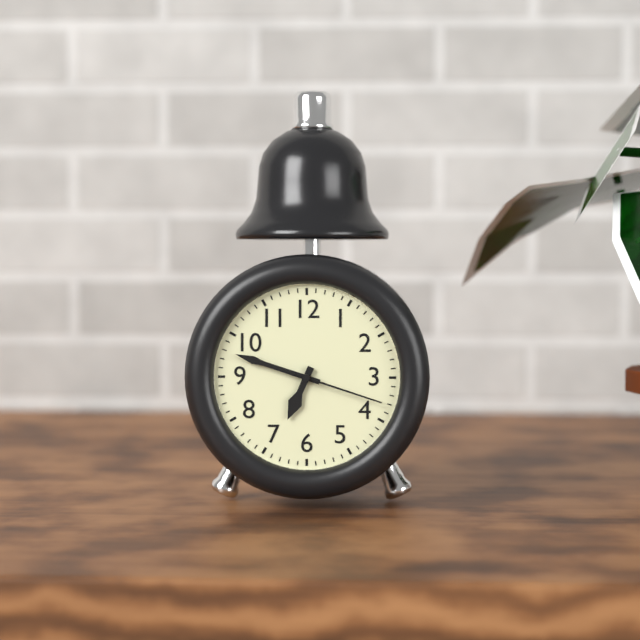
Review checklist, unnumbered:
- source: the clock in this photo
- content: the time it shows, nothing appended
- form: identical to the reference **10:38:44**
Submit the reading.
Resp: **6:48:18**
